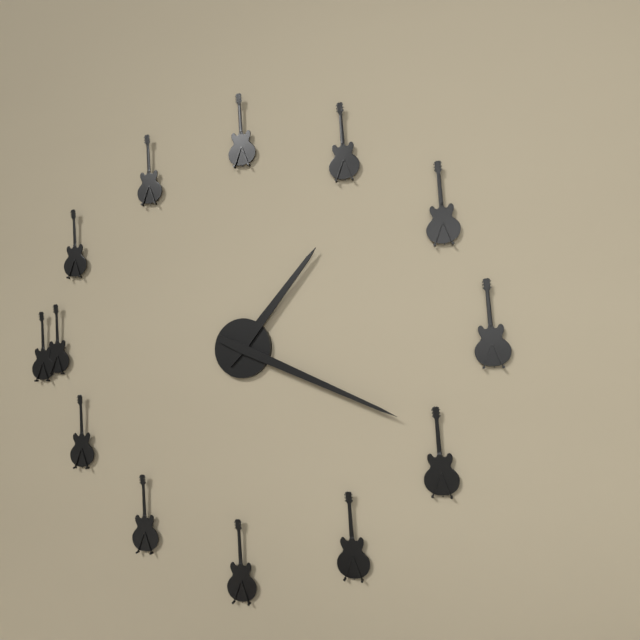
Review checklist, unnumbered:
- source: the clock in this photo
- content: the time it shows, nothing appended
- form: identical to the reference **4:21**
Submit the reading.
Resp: **1:19**
